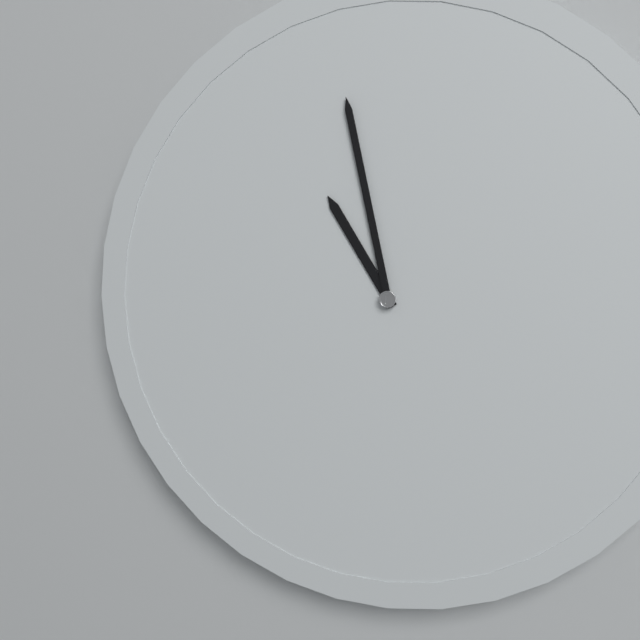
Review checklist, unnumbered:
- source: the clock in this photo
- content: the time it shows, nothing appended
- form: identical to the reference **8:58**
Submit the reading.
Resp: **10:58**
